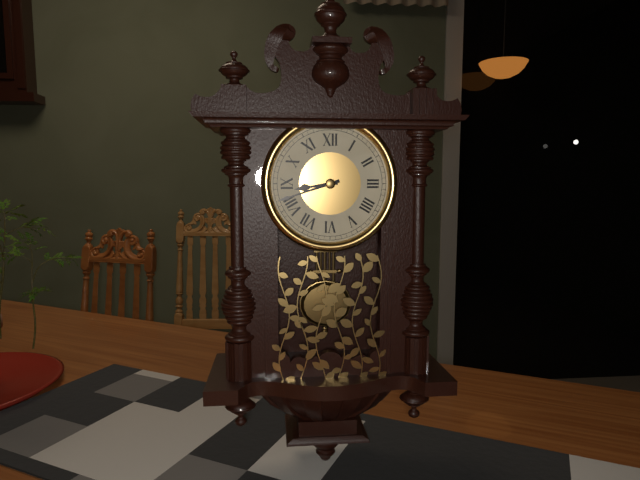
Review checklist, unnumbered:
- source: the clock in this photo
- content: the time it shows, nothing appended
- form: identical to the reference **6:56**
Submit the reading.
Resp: **8:42**
